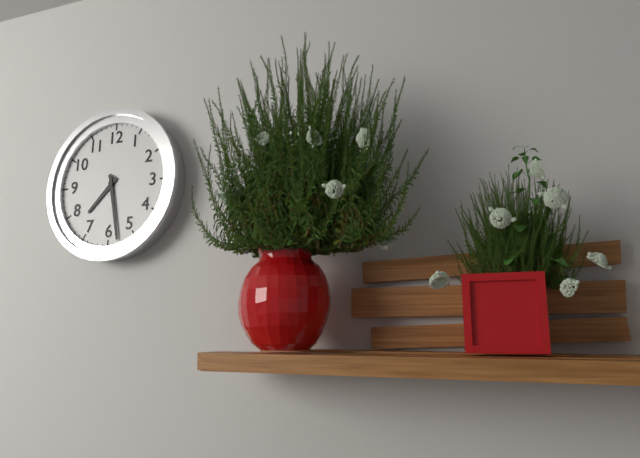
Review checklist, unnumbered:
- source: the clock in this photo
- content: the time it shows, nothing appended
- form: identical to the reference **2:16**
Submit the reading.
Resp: **7:28**
